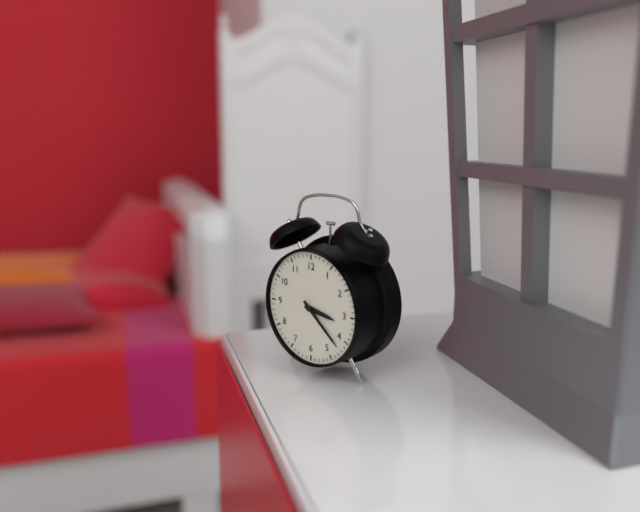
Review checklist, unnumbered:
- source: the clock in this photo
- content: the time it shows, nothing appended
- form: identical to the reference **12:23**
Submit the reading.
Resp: **3:22**
